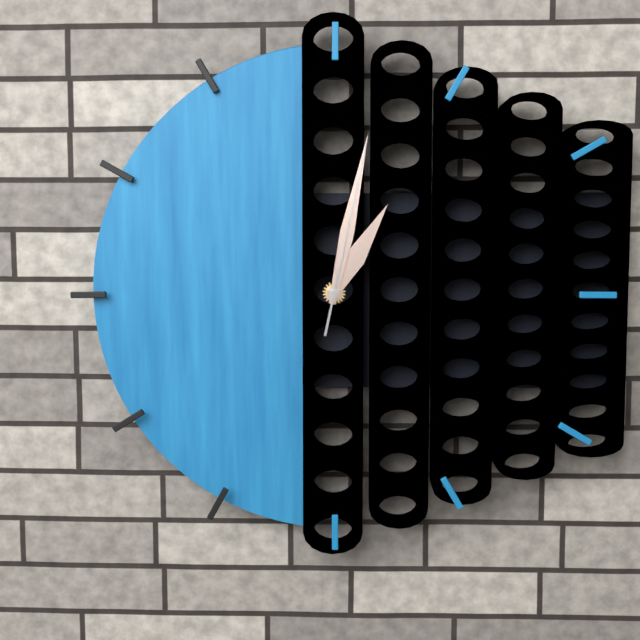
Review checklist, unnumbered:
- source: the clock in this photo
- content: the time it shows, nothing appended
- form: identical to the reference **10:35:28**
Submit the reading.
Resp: **1:02:02**
